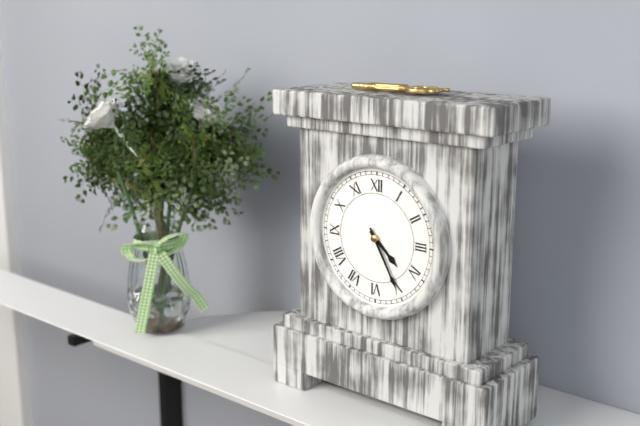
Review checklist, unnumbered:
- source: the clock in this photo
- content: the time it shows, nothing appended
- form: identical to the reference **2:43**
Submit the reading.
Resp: **4:25**
